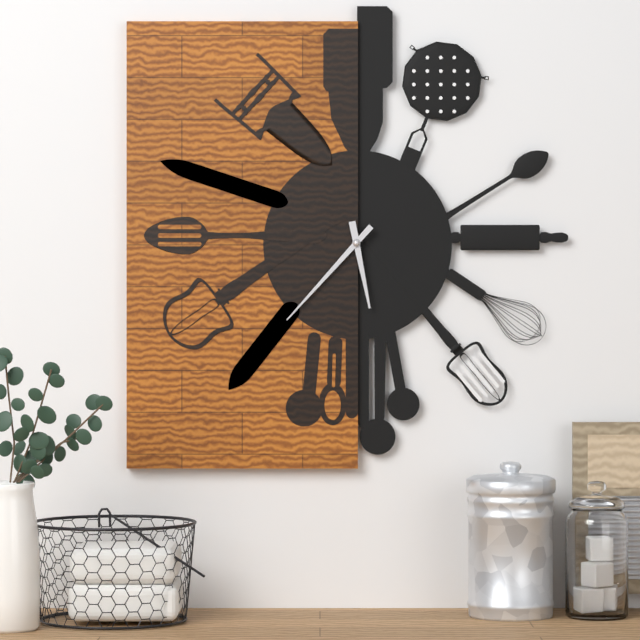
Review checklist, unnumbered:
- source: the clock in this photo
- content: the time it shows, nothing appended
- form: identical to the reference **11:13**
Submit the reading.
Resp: **5:37**
